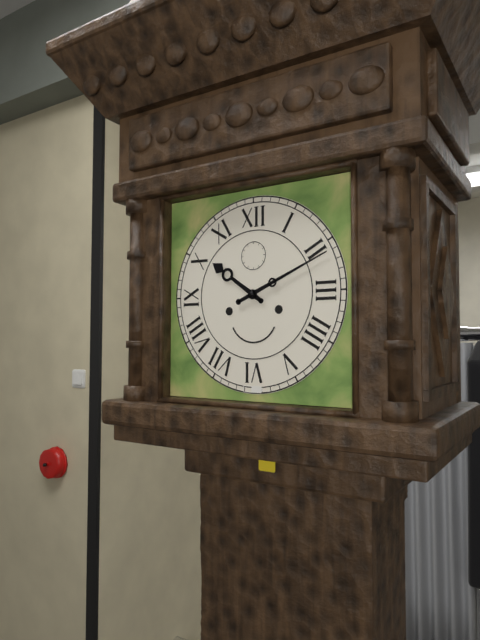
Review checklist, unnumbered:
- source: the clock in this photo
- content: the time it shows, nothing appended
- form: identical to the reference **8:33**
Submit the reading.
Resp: **10:11**
